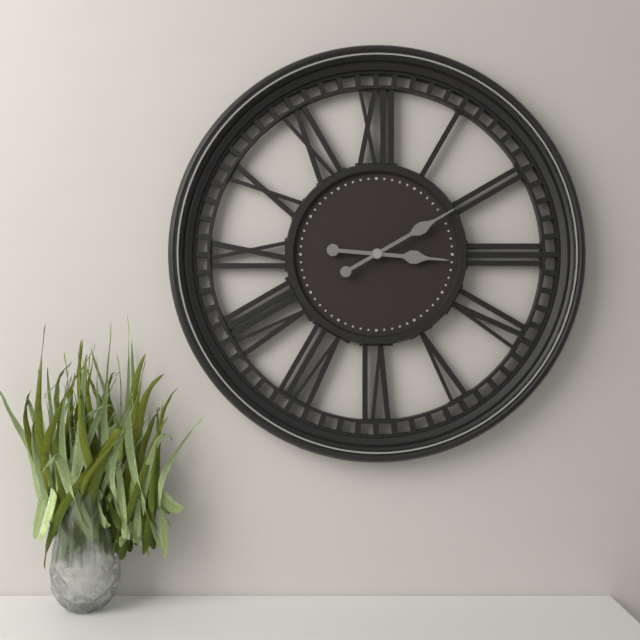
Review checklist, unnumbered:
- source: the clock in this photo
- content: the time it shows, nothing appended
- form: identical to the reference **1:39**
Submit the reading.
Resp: **3:10**
